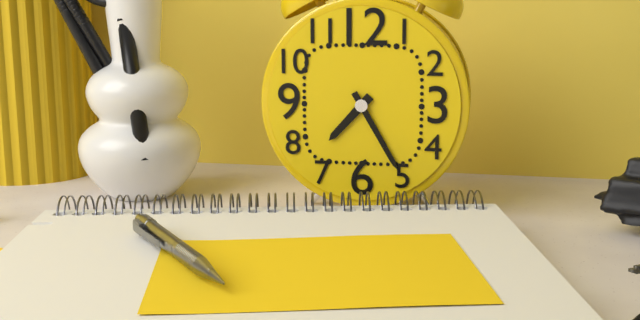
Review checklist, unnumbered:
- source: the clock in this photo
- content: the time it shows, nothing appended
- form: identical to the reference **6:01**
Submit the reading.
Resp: **7:25**
